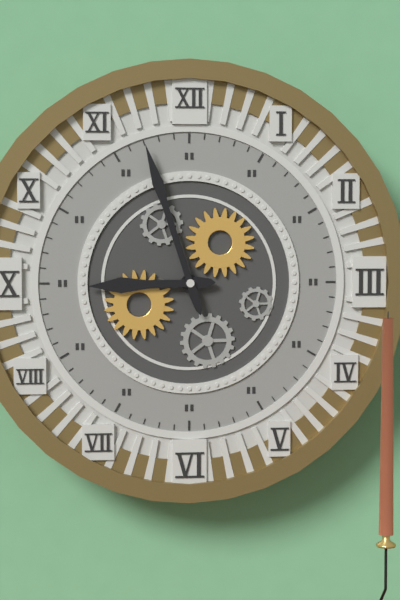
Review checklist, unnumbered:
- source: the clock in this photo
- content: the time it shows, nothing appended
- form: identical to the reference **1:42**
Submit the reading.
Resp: **8:57**
